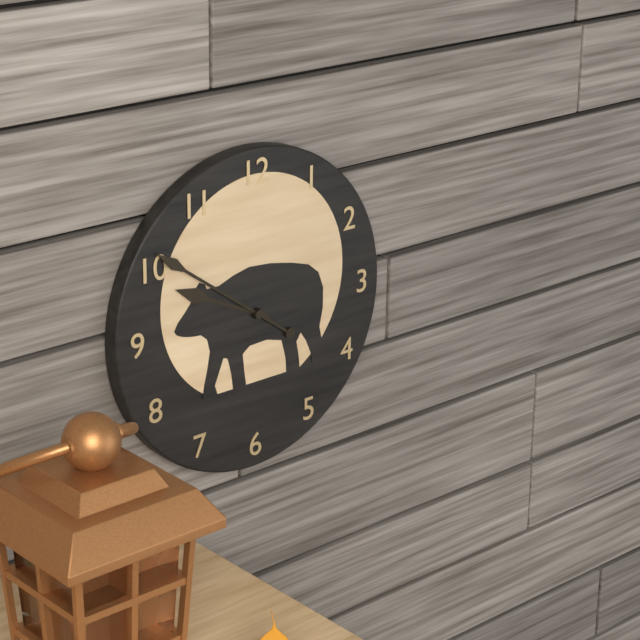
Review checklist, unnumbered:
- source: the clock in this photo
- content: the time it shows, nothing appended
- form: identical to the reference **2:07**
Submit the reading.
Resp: **9:51**
